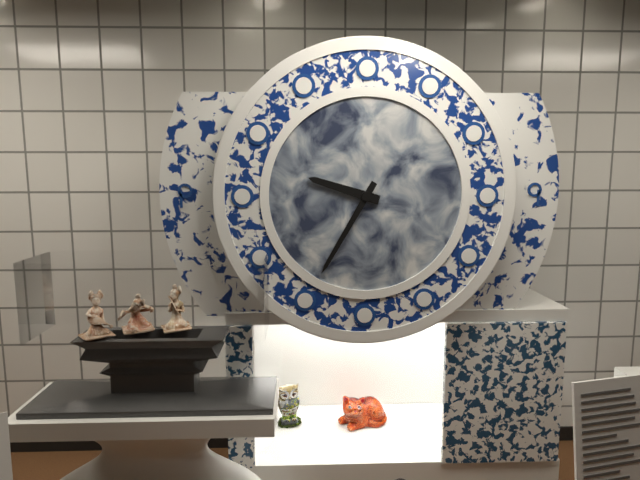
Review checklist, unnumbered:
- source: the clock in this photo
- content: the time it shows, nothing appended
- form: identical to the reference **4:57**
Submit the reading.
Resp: **9:35**
